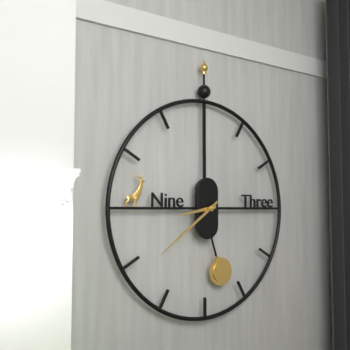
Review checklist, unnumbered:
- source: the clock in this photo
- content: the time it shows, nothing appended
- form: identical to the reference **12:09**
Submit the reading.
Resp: **8:39**
